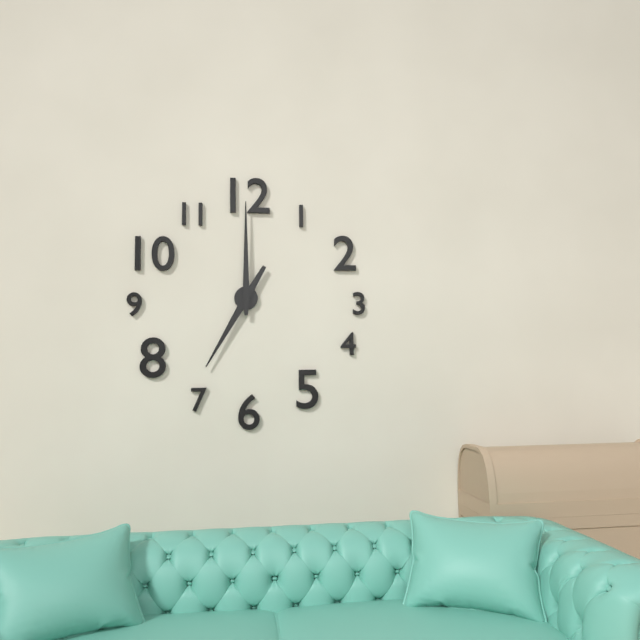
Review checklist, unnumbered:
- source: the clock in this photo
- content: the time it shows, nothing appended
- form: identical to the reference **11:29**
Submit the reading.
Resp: **7:00**
